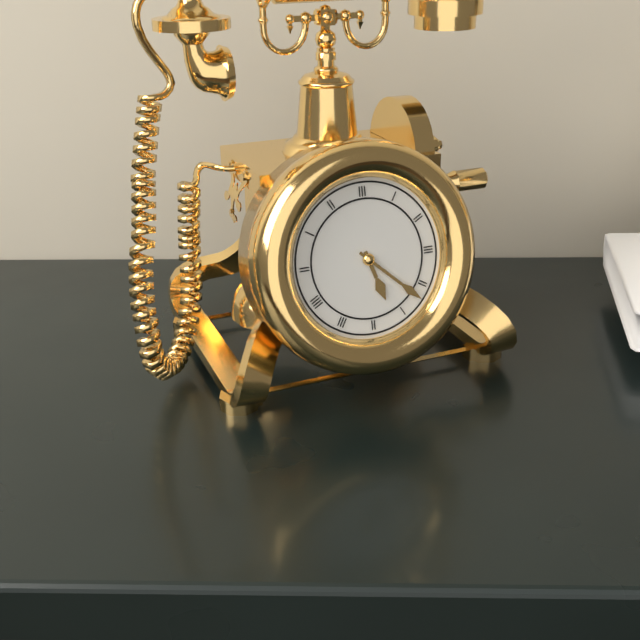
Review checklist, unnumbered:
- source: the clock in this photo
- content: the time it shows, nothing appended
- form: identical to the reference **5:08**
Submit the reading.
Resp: **5:22**
